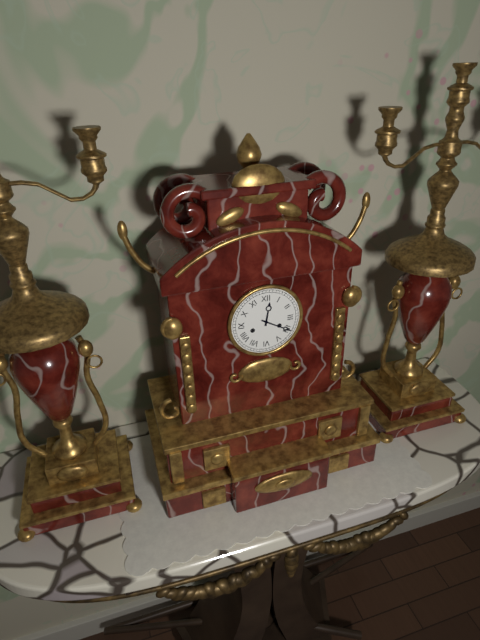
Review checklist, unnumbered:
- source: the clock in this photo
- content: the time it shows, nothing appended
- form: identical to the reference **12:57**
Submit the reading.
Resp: **12:20**
